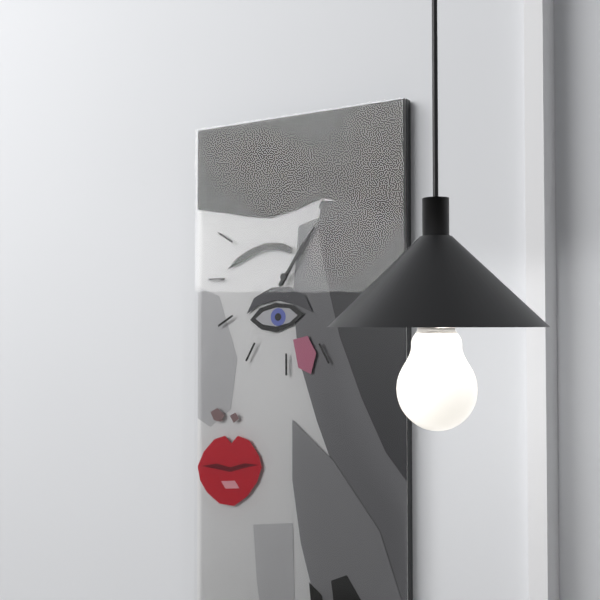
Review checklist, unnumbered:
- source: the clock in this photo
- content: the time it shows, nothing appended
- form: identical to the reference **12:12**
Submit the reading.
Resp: **1:06**
